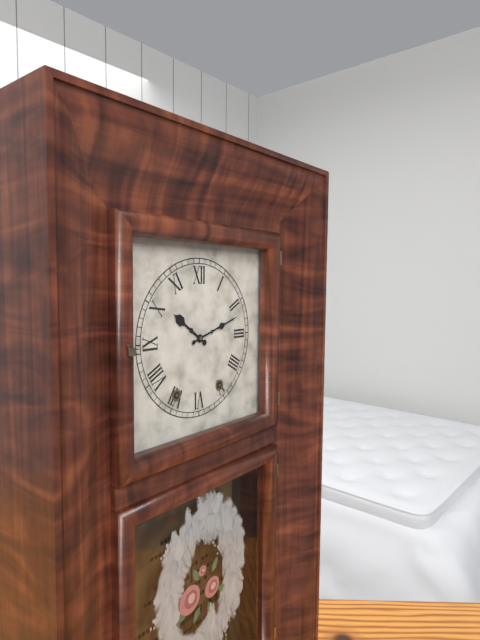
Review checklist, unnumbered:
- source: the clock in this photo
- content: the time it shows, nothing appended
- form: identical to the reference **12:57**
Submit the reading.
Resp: **10:12**
